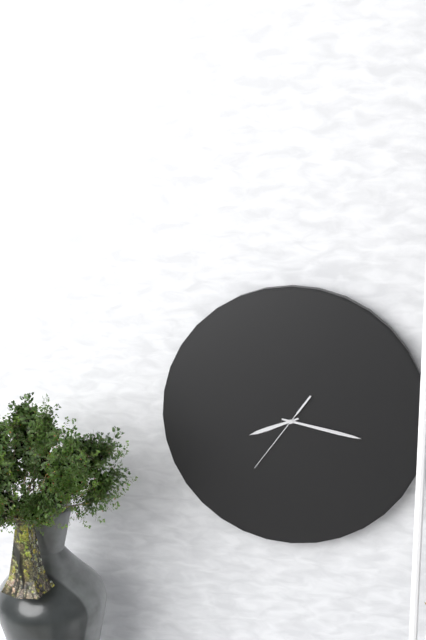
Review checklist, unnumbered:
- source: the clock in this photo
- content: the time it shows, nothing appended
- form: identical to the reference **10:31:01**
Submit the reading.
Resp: **8:17:36**
